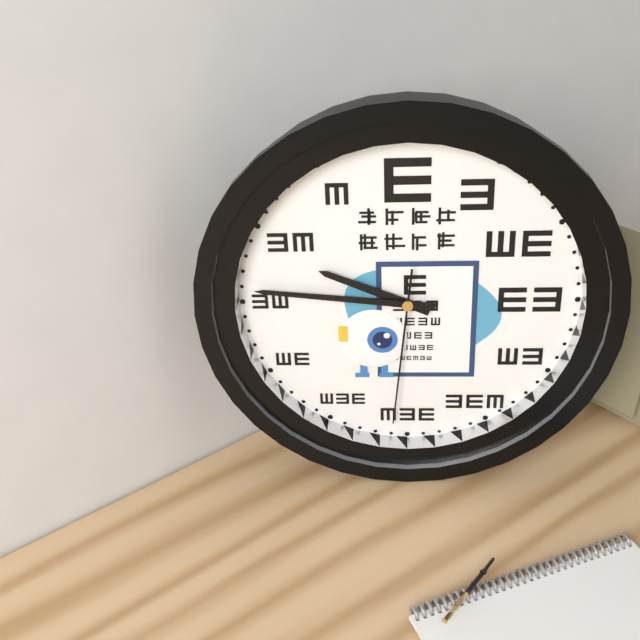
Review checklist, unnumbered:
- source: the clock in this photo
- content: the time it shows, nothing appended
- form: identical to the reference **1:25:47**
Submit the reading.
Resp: **9:46:31**
